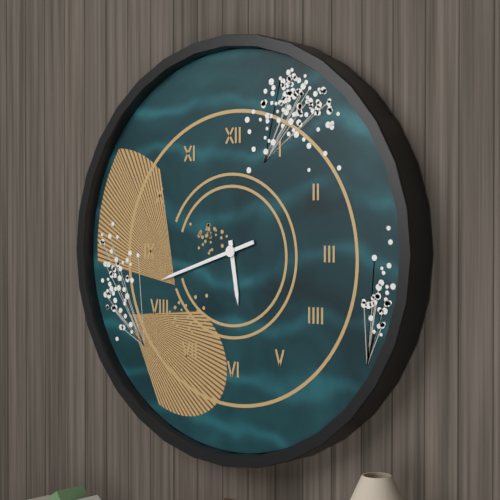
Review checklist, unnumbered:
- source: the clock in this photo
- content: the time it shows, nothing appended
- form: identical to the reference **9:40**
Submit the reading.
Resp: **5:42**
